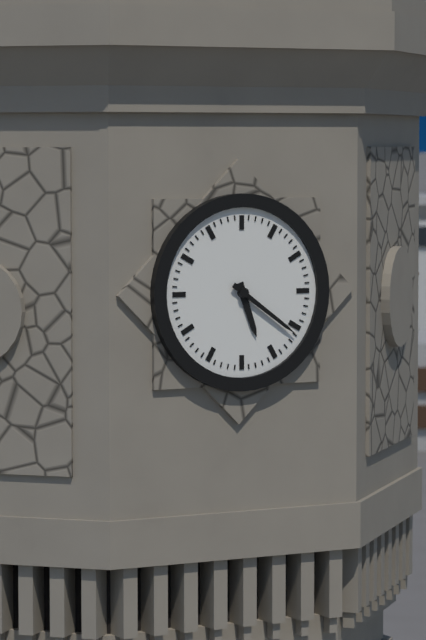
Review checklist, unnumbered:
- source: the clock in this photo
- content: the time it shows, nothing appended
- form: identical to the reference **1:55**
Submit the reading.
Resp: **5:21**
